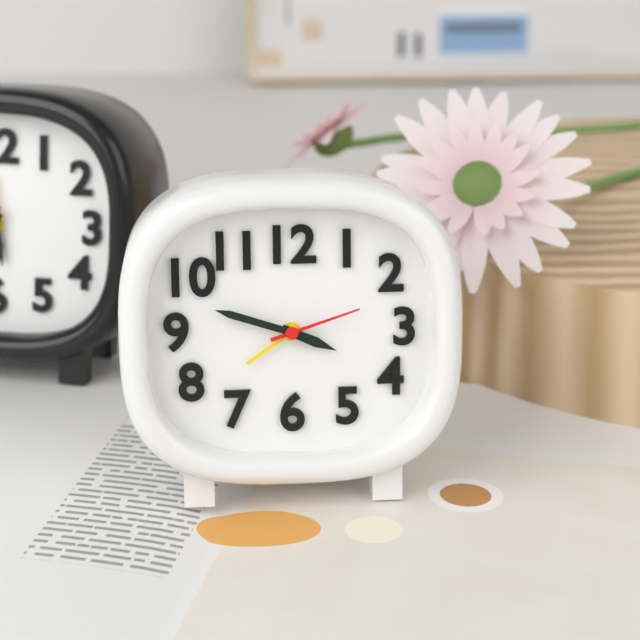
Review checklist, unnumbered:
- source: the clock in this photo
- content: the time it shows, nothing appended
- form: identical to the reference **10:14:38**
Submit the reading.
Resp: **3:48:12**
